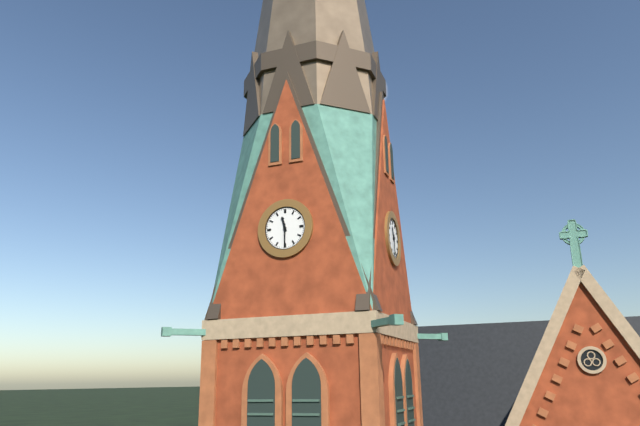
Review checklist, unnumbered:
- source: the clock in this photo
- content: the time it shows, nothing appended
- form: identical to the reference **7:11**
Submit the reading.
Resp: **11:30**
